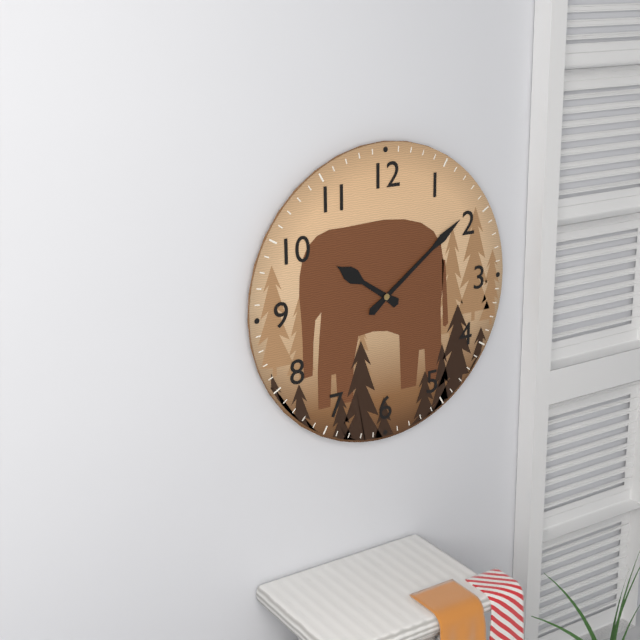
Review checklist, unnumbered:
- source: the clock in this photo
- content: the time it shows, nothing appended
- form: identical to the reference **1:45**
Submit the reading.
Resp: **10:09**
